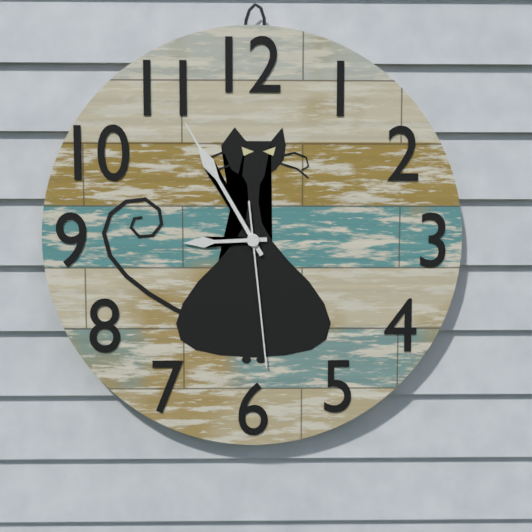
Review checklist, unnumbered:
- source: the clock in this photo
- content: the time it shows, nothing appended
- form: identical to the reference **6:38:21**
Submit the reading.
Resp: **8:55:29**
